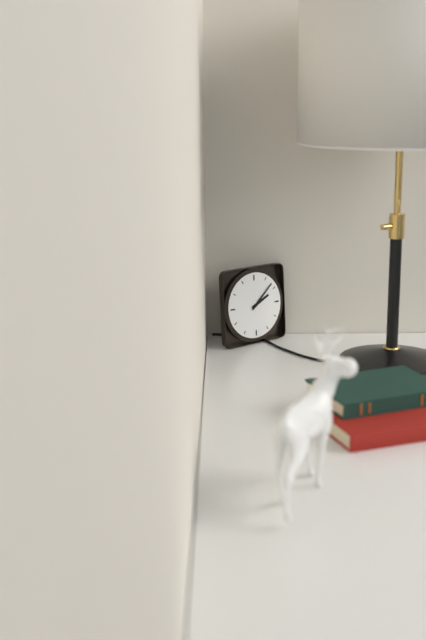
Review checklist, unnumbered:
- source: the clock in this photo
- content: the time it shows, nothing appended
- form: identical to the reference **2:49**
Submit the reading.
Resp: **2:08**
